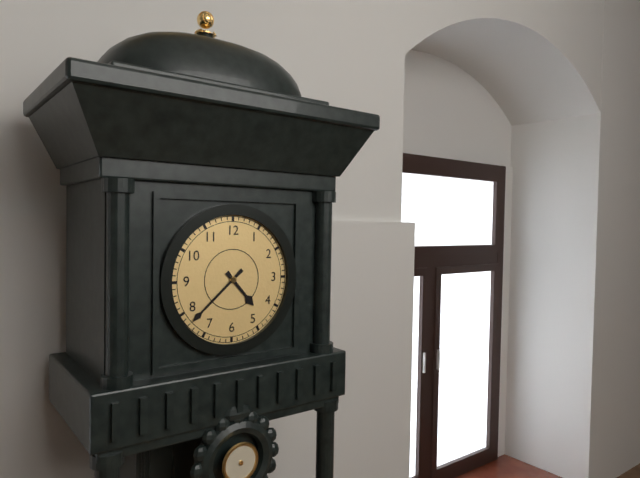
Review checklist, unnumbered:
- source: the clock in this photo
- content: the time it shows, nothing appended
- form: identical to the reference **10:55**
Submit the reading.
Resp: **4:38**
